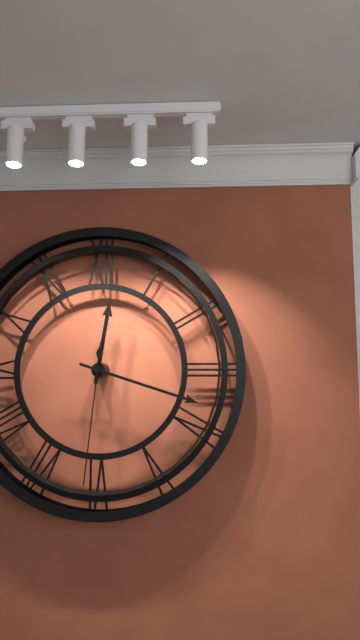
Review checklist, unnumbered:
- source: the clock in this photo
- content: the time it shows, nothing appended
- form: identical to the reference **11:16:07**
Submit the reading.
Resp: **12:18:31**
